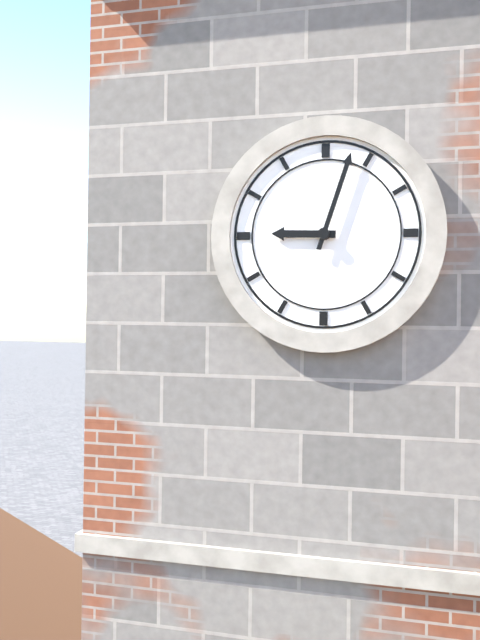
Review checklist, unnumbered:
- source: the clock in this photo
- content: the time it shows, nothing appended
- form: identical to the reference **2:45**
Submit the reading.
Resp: **9:03**
